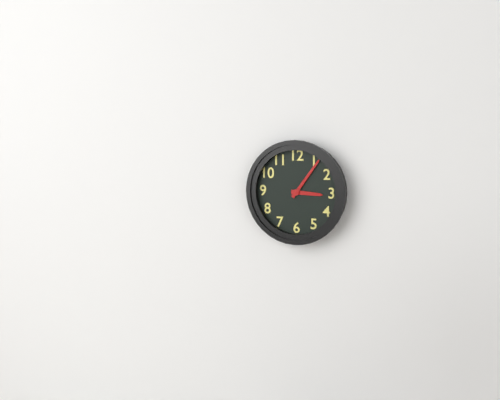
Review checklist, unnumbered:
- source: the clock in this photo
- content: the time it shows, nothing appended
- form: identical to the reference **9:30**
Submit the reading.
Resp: **3:06**
